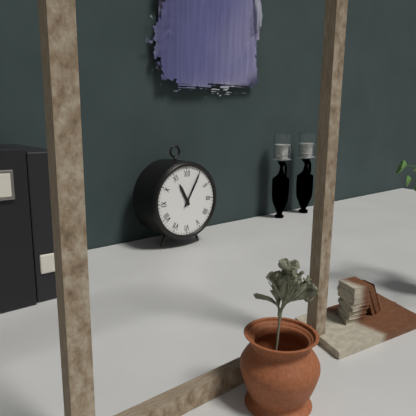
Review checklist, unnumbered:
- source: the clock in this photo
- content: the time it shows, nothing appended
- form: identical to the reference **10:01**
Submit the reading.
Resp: **11:05**
